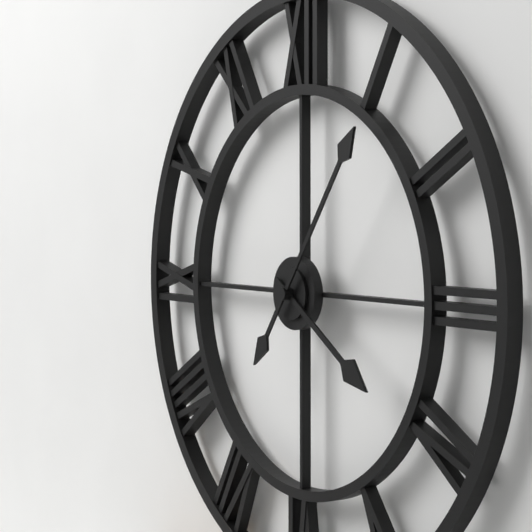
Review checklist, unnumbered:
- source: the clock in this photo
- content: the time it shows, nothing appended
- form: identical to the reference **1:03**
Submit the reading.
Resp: **4:06**
